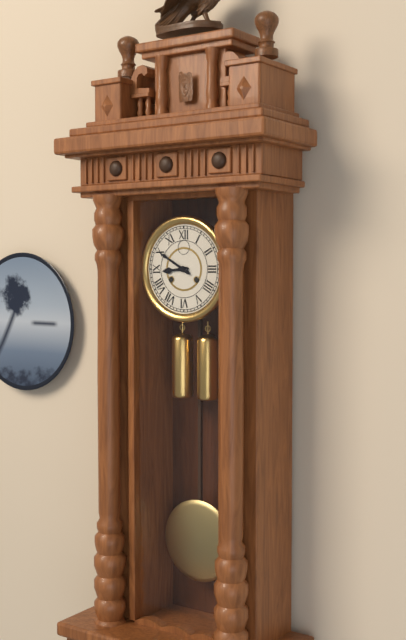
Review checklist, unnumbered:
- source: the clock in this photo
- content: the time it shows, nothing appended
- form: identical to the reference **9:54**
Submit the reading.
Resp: **8:50**
